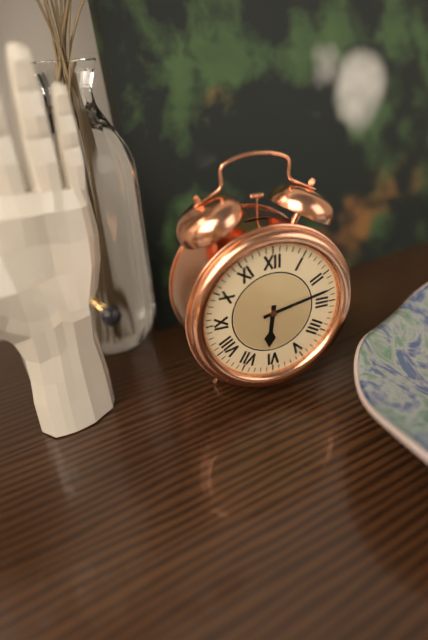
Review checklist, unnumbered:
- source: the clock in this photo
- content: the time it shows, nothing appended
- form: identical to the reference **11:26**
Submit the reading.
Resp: **6:13**
